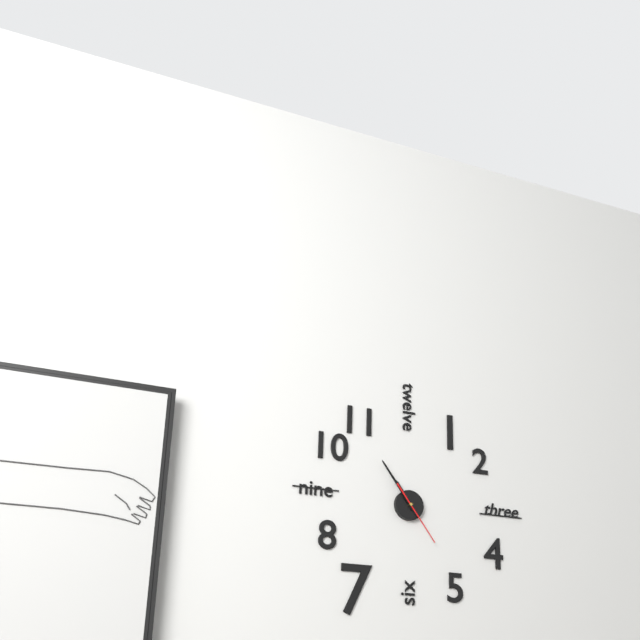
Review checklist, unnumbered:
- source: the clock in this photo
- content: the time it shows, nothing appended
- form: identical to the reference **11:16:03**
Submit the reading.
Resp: **10:54:24**
